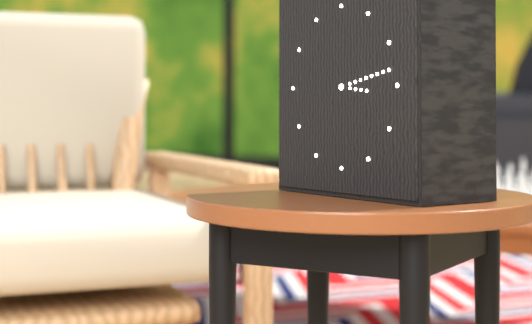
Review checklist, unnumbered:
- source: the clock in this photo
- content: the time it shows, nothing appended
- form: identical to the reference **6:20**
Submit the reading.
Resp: **3:13**
